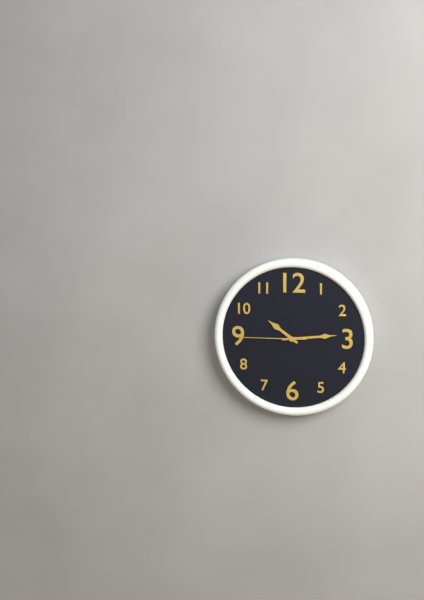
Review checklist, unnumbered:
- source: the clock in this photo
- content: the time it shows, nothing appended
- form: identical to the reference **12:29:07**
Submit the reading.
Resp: **10:14:45**
